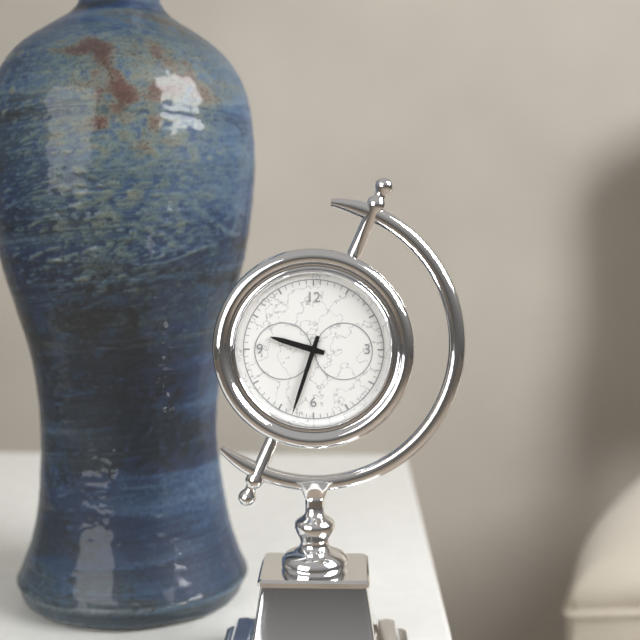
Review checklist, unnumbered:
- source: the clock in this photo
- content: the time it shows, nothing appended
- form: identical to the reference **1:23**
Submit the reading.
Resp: **9:33**
